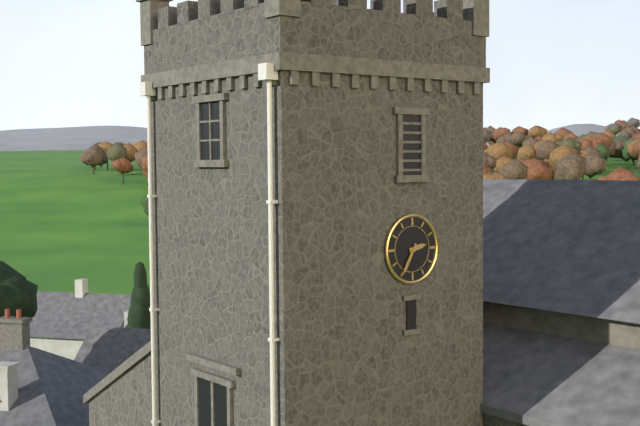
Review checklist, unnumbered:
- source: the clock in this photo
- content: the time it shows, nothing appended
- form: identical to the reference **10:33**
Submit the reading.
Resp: **2:35**
